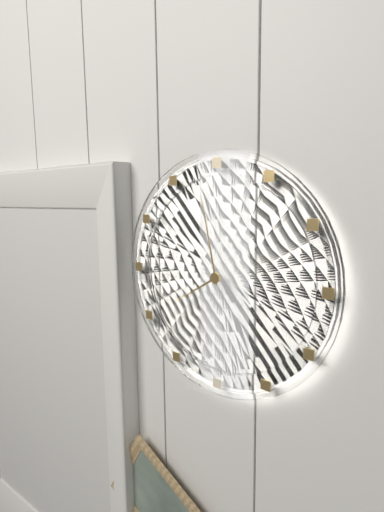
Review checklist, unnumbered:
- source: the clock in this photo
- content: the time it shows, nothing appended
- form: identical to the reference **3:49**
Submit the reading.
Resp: **7:58**
